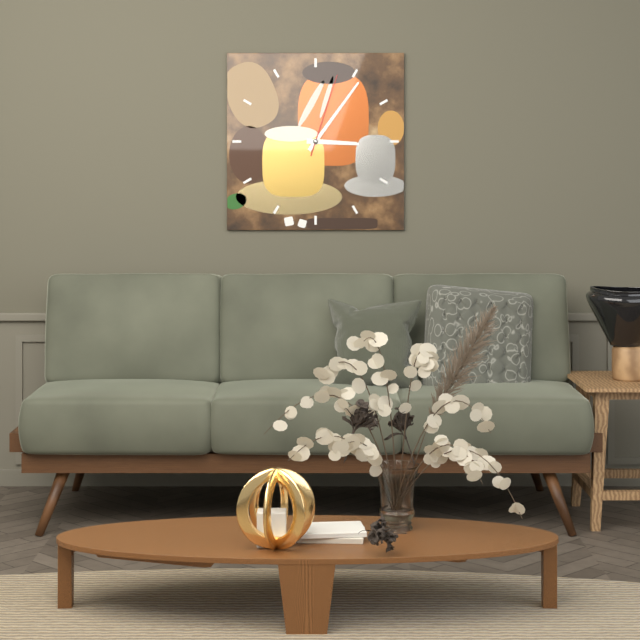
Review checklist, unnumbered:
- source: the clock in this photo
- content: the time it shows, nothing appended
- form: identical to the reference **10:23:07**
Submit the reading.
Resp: **3:06:03**
